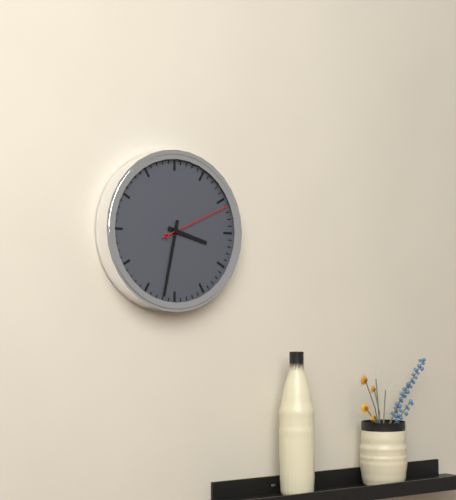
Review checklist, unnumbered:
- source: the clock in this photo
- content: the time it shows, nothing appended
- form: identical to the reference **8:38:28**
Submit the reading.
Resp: **3:32:11**
